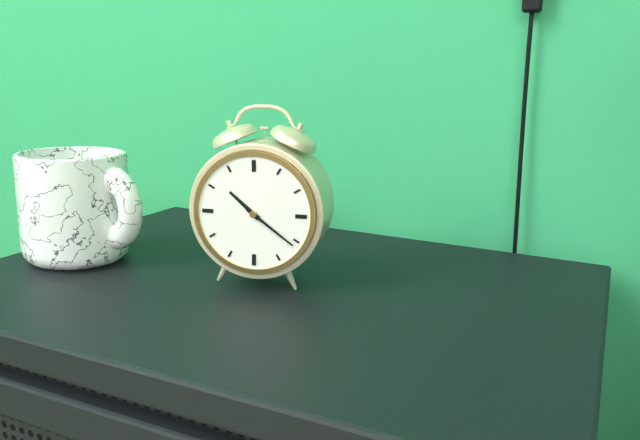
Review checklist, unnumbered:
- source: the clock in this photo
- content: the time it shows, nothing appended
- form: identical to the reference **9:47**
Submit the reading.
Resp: **10:21**
